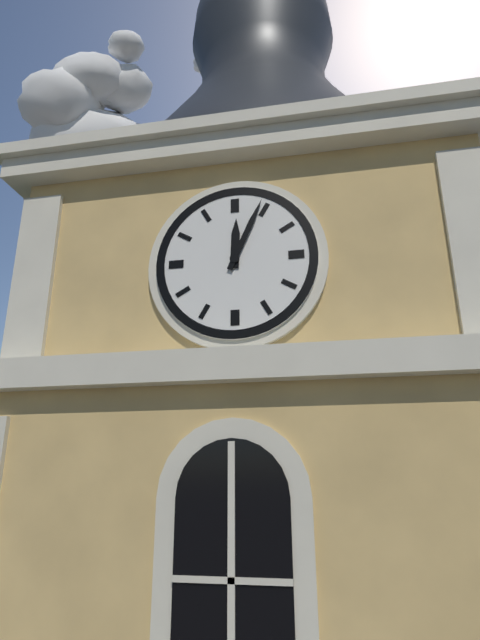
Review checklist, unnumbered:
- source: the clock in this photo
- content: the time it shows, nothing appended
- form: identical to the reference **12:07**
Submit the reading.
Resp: **12:04**
